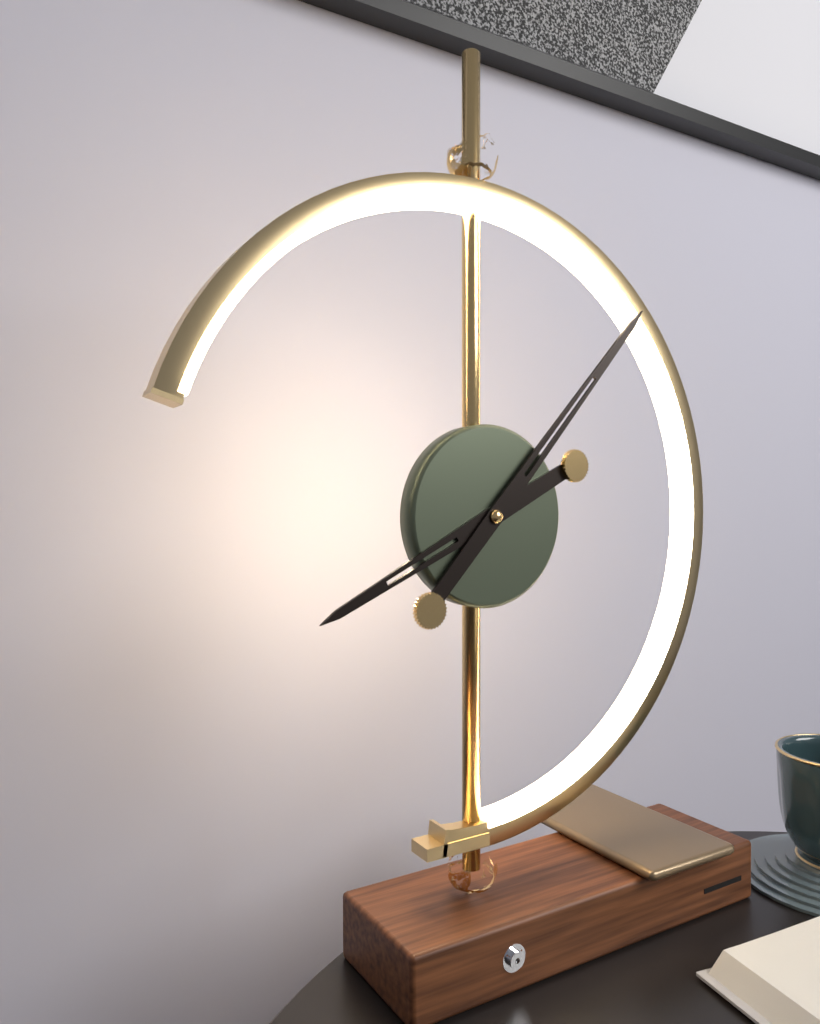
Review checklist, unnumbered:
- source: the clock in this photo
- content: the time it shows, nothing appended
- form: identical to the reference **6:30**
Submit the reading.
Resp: **8:07**
